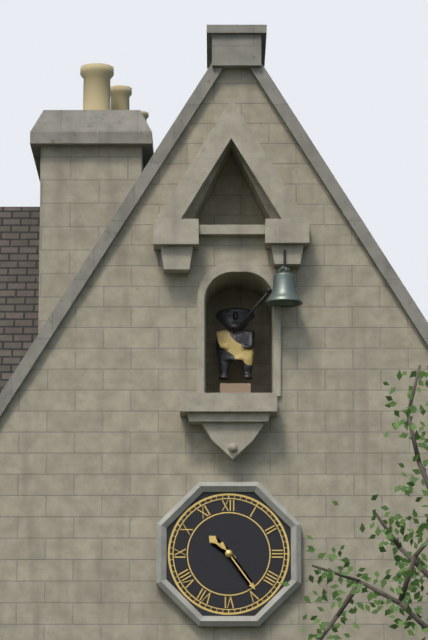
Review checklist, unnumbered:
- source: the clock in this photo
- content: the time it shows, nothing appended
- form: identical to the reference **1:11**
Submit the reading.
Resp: **10:24**
